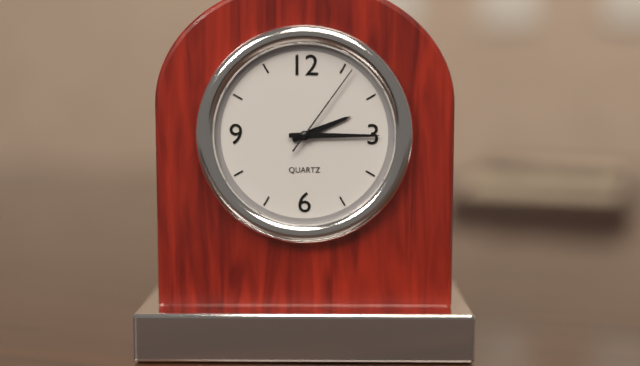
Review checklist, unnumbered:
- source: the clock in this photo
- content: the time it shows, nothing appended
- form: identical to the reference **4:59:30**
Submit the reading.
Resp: **2:15:06**
